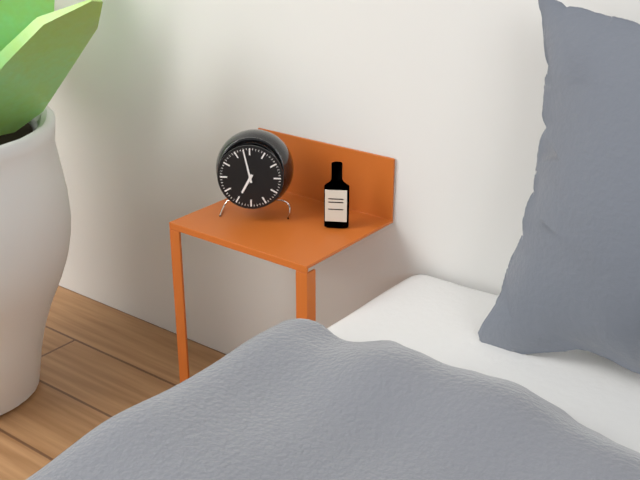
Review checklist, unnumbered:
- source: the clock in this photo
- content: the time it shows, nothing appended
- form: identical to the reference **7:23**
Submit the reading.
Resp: **6:58**
